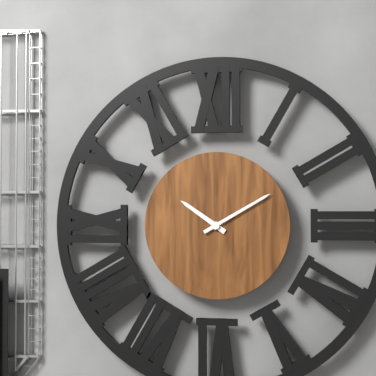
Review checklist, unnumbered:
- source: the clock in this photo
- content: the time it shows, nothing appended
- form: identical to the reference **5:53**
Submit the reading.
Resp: **10:10**
